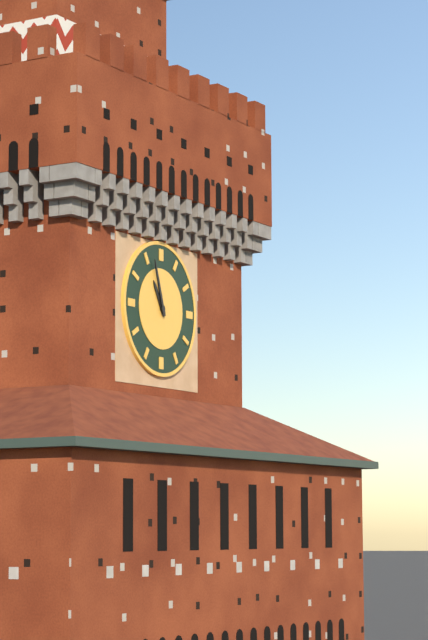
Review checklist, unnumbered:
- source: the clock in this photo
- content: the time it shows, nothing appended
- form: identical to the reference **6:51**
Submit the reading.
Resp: **10:57**
